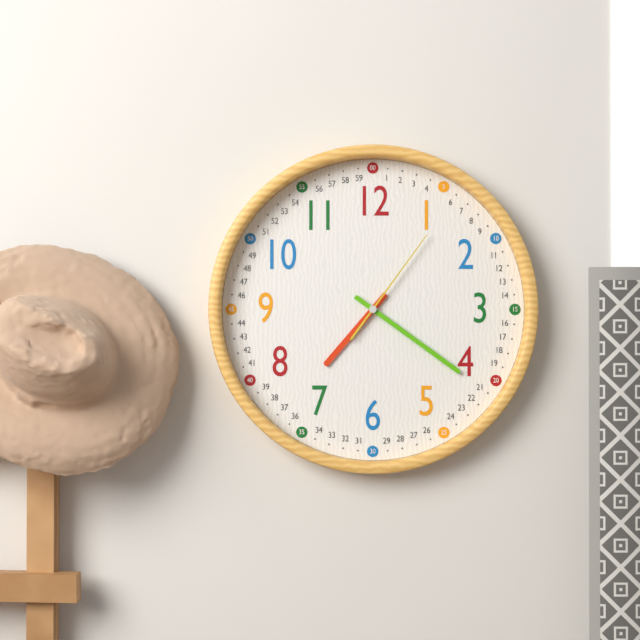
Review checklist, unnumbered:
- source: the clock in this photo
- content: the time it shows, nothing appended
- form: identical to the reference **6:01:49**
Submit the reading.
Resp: **7:21:06**
